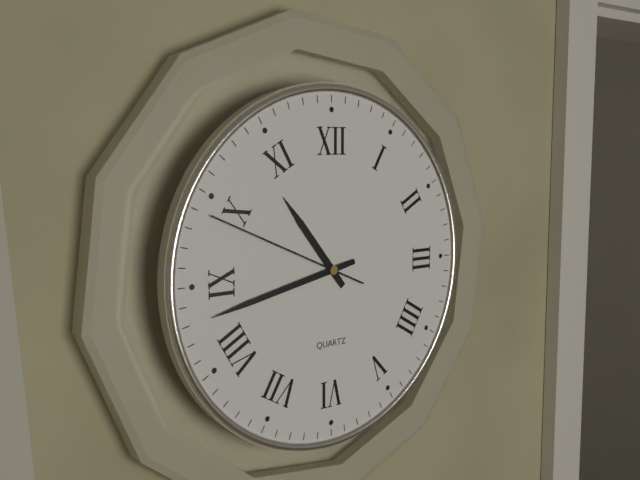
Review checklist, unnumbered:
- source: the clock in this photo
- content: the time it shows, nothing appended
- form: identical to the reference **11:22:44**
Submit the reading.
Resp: **10:43:49**
